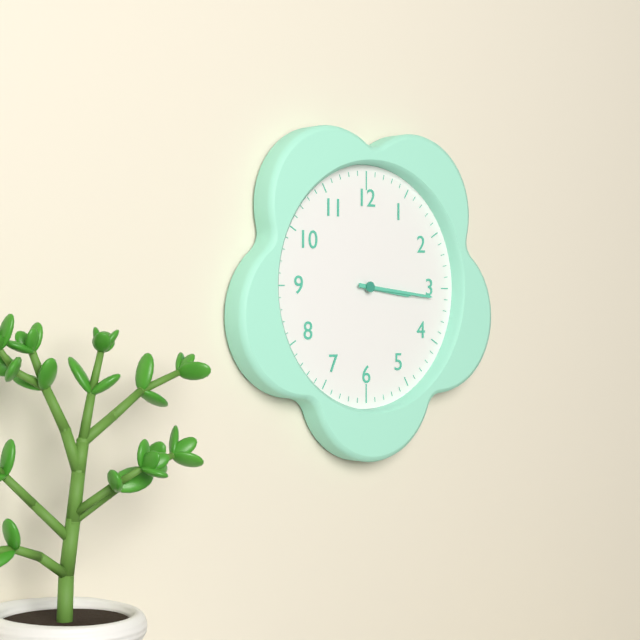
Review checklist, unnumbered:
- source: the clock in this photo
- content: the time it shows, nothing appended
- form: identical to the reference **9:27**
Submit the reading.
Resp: **3:16**
